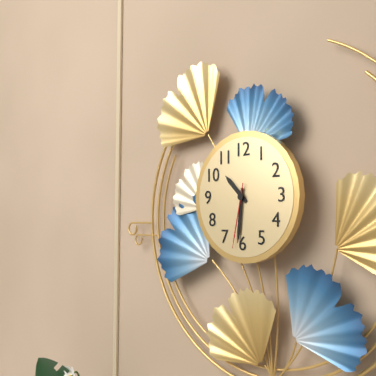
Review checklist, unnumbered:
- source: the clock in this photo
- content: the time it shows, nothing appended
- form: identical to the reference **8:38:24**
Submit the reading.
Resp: **10:31:32**
